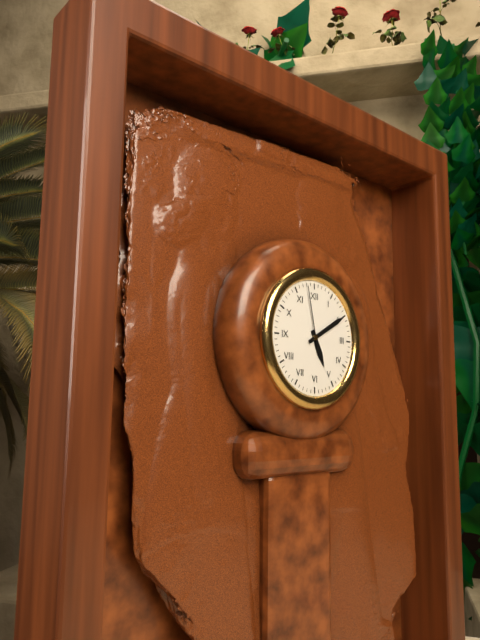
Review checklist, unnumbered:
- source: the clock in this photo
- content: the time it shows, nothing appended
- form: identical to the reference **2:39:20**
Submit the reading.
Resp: **5:10:58**
